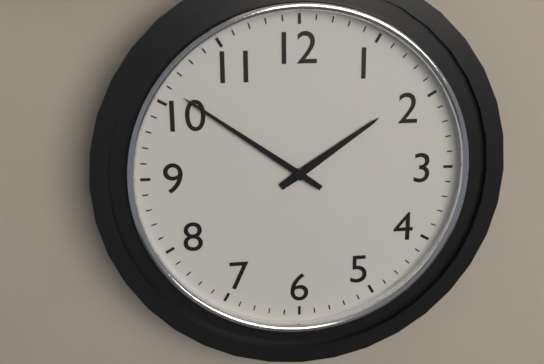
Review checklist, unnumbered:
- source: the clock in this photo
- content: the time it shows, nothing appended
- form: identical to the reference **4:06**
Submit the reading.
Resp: **1:51**
